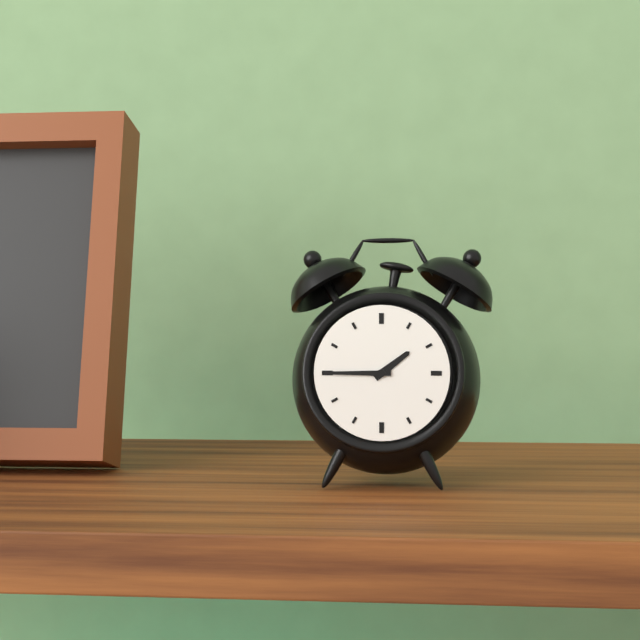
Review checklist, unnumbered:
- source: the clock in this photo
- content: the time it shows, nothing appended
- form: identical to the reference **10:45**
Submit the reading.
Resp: **1:45**
